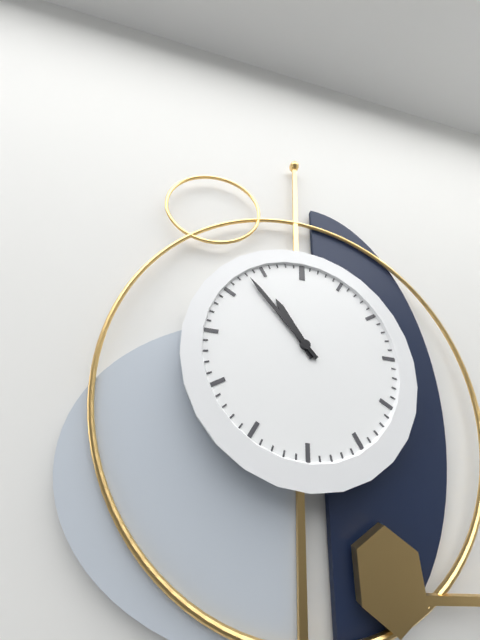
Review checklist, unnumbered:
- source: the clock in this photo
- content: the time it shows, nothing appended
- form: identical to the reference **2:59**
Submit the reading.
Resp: **10:53**
